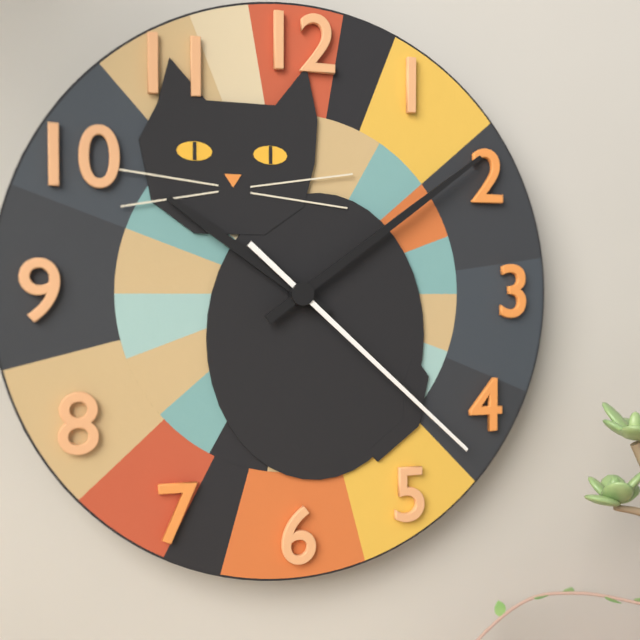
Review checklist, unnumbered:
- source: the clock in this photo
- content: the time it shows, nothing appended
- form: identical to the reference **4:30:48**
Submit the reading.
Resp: **10:09:22**
